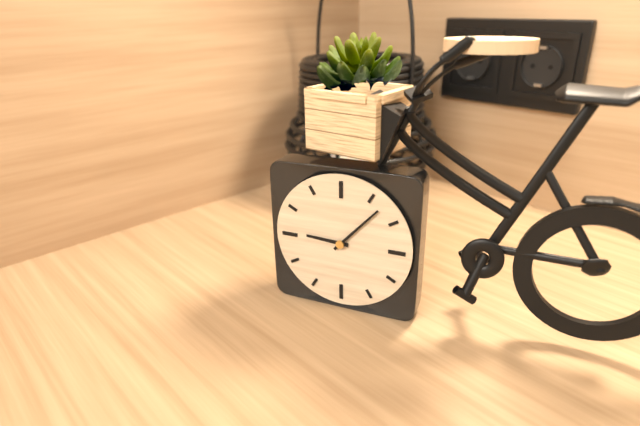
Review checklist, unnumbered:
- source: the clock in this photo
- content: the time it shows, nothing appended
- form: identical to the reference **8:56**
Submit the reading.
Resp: **9:07**
